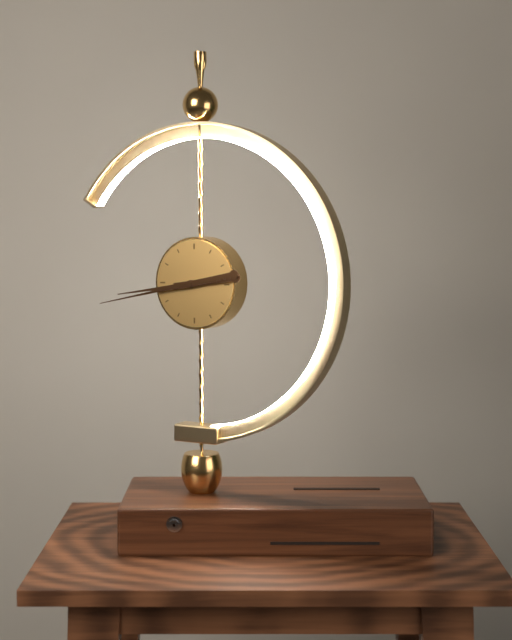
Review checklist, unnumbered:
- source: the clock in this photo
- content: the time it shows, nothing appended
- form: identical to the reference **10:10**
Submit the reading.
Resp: **8:43**
